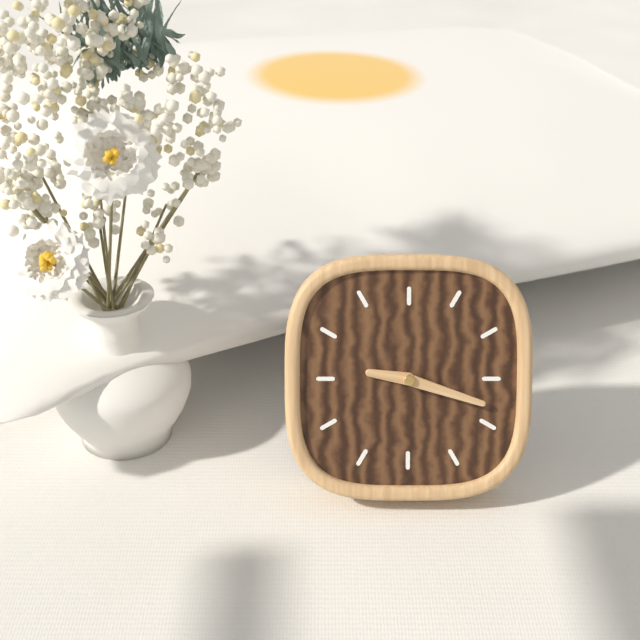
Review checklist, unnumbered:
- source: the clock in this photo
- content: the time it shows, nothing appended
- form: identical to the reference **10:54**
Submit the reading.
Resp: **9:18**
